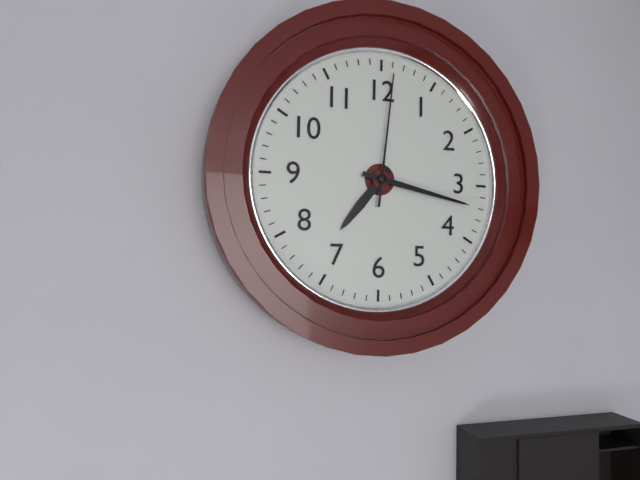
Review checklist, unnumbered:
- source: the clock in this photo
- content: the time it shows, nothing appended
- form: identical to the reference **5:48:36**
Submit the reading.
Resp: **7:17:01**
